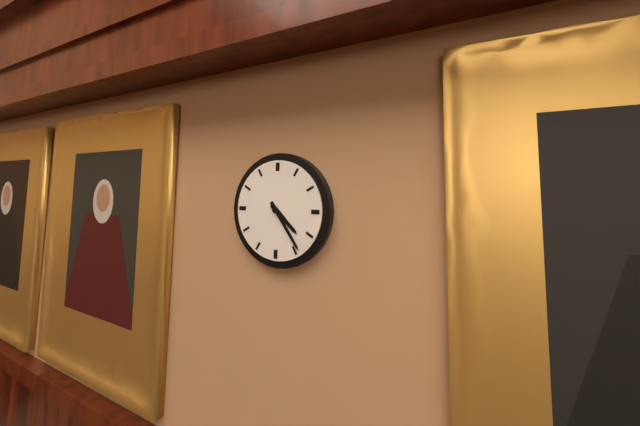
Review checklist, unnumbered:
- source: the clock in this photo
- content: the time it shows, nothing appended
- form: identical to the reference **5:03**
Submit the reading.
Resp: **4:24**
